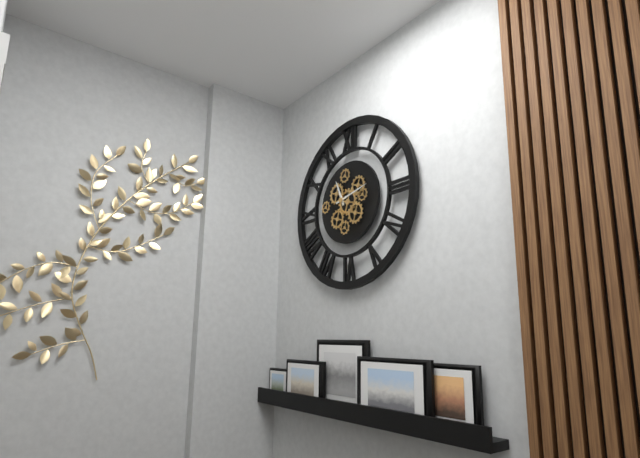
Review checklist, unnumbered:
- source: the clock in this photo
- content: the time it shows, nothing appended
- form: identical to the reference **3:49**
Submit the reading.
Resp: **11:13**
